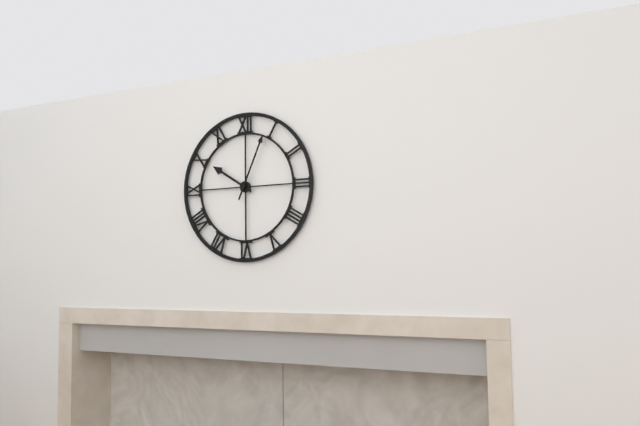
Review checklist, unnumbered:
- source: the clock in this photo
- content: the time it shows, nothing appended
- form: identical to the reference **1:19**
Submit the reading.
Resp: **10:04**
